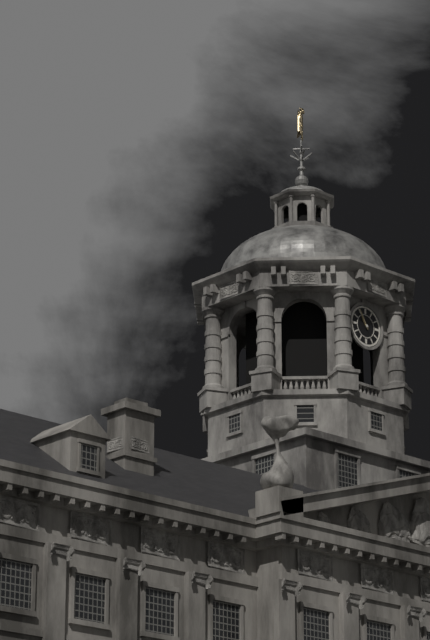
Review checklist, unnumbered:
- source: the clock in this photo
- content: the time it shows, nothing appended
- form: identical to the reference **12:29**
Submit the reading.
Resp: **10:55**
